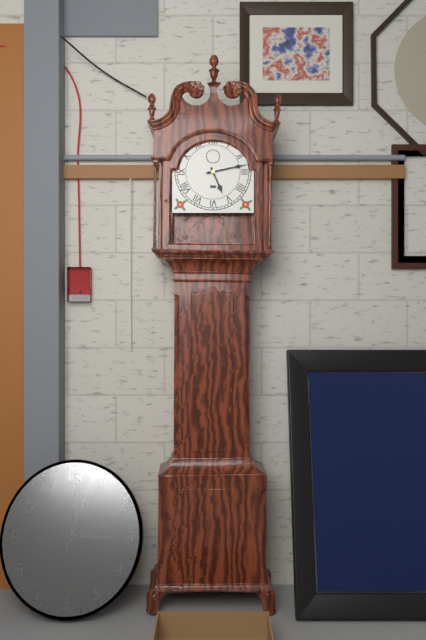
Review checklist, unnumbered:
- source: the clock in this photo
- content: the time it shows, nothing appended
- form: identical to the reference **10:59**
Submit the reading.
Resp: **5:13**
